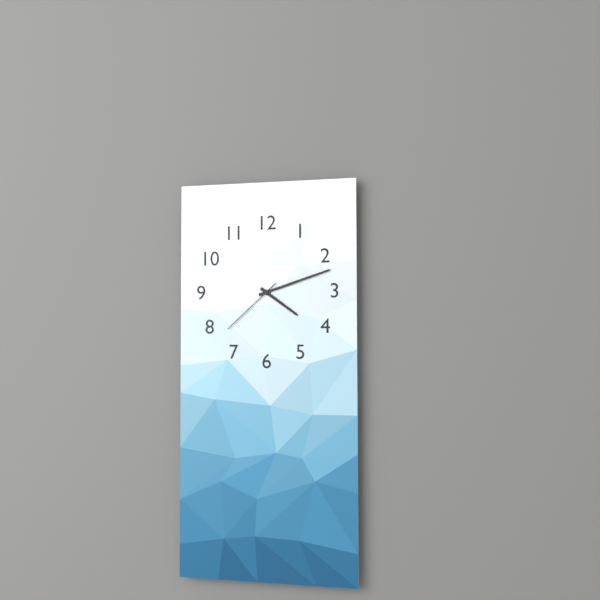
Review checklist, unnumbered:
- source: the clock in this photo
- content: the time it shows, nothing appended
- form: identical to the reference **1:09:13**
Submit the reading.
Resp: **4:12:38**
